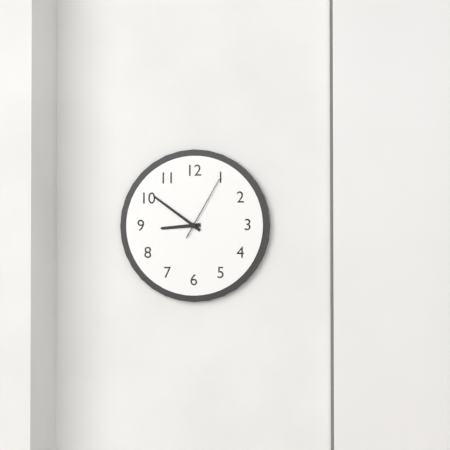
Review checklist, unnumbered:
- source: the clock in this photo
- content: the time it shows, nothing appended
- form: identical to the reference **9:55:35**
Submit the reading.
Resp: **8:51:05**
